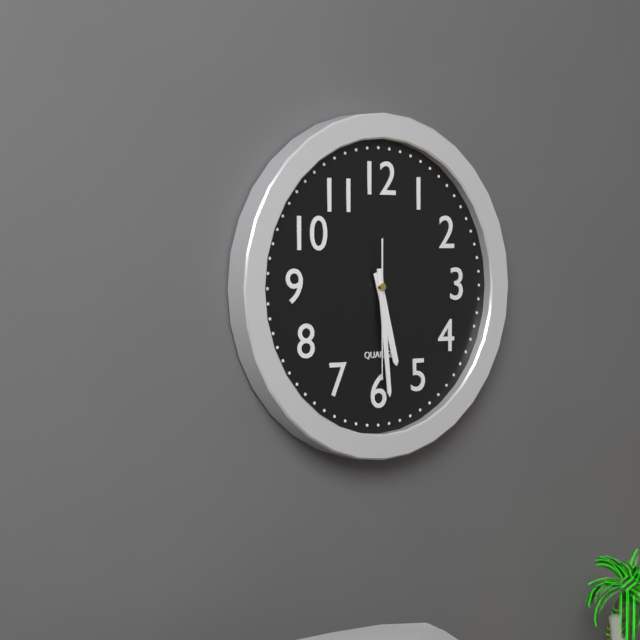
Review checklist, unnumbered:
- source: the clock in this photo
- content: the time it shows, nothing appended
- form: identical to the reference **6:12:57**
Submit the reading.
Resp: **5:29:30**
